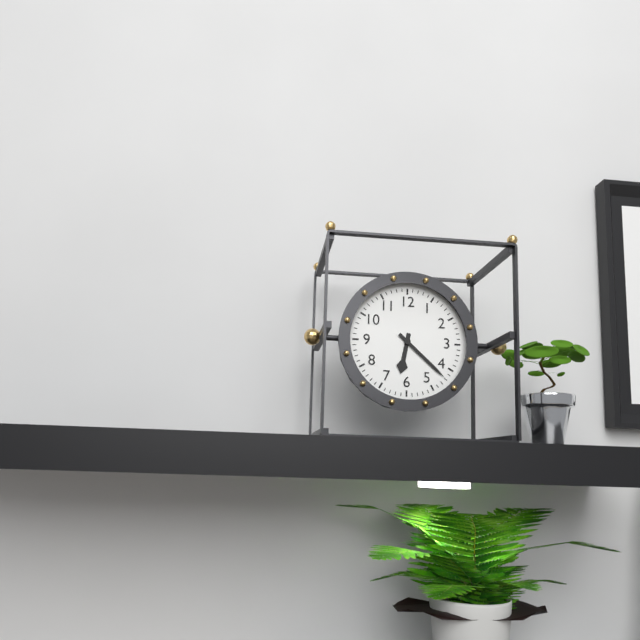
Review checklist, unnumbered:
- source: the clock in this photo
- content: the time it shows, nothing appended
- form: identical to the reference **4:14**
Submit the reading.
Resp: **6:22**
